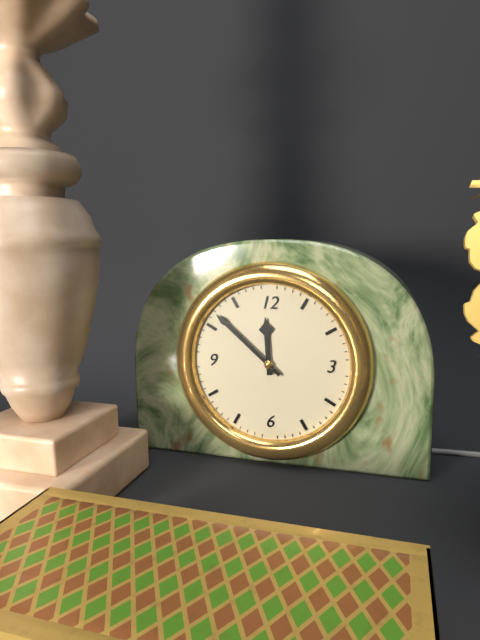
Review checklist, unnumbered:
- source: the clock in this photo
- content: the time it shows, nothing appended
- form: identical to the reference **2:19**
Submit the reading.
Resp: **11:52**
